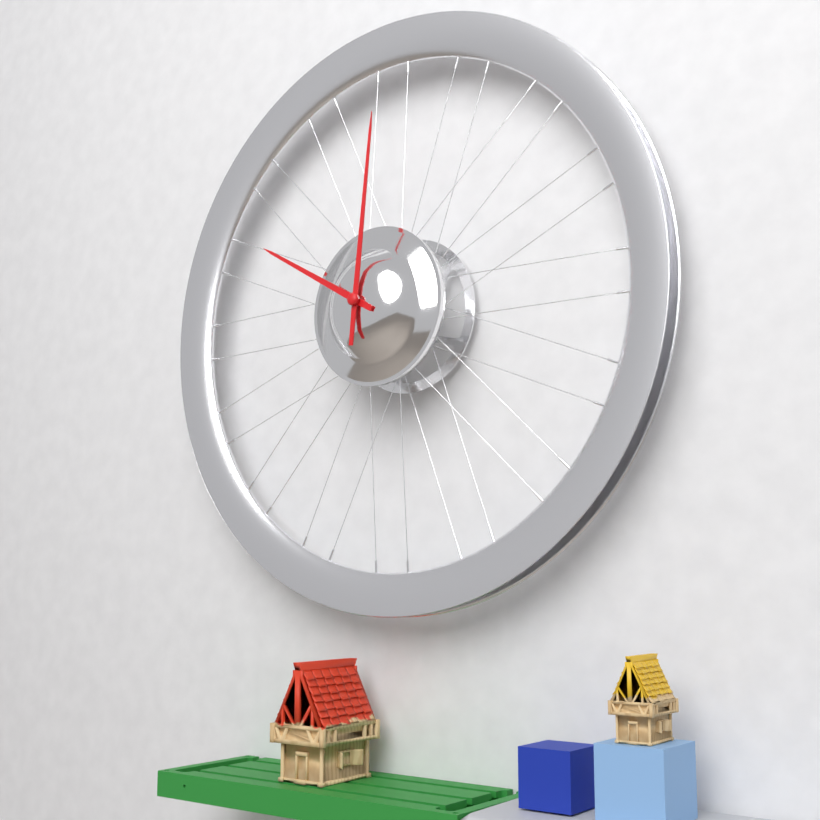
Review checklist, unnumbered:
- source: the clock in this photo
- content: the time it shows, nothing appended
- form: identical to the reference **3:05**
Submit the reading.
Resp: **10:01**
